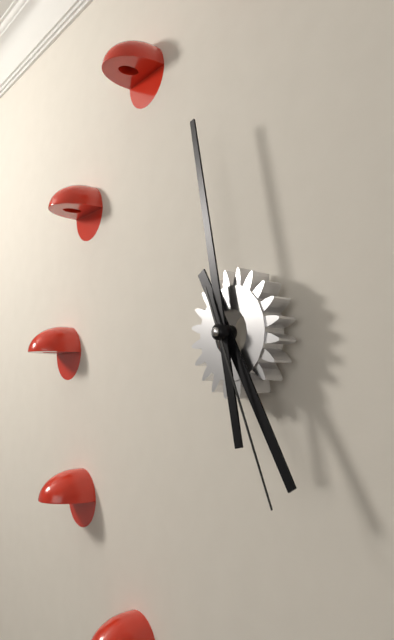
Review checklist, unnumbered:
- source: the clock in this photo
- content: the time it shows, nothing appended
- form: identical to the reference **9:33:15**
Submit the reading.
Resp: **4:58:26**
